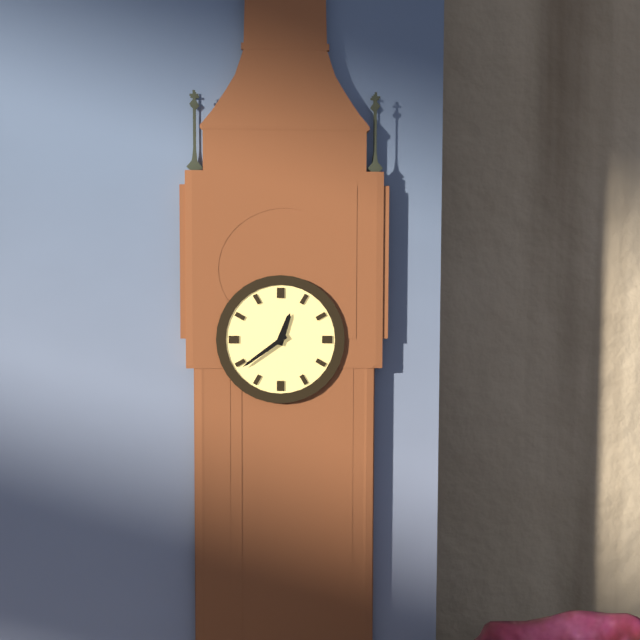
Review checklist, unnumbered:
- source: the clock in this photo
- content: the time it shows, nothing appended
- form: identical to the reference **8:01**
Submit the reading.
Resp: **12:39**
